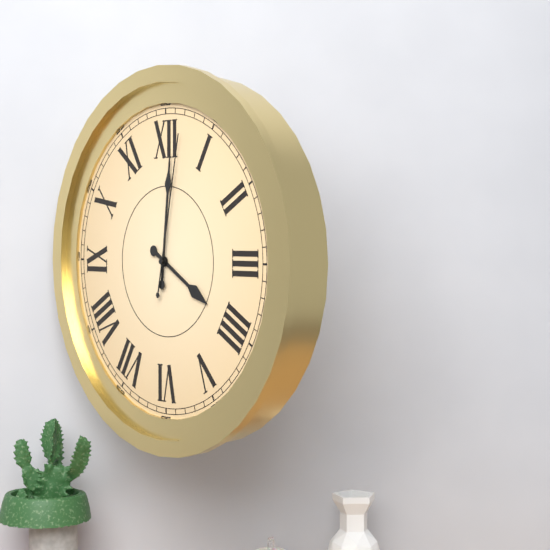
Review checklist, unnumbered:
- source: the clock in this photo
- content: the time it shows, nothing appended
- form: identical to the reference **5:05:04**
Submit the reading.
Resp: **4:01:02**
